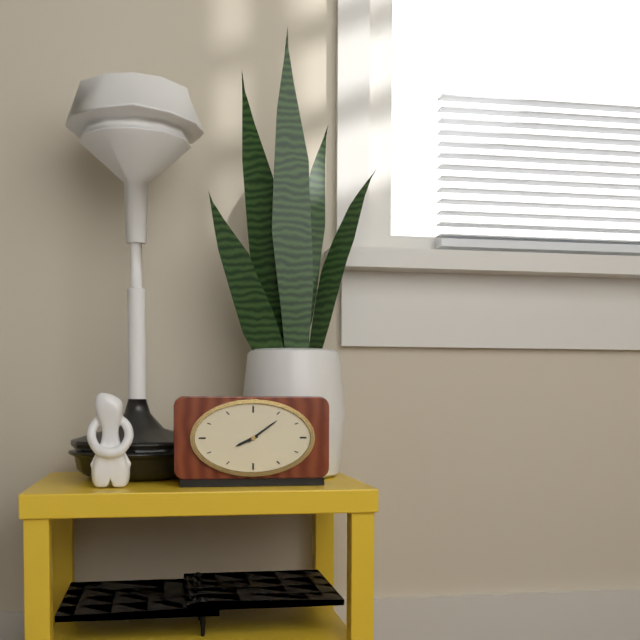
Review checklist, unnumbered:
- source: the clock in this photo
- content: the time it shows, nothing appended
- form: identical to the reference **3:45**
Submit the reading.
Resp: **8:09**
